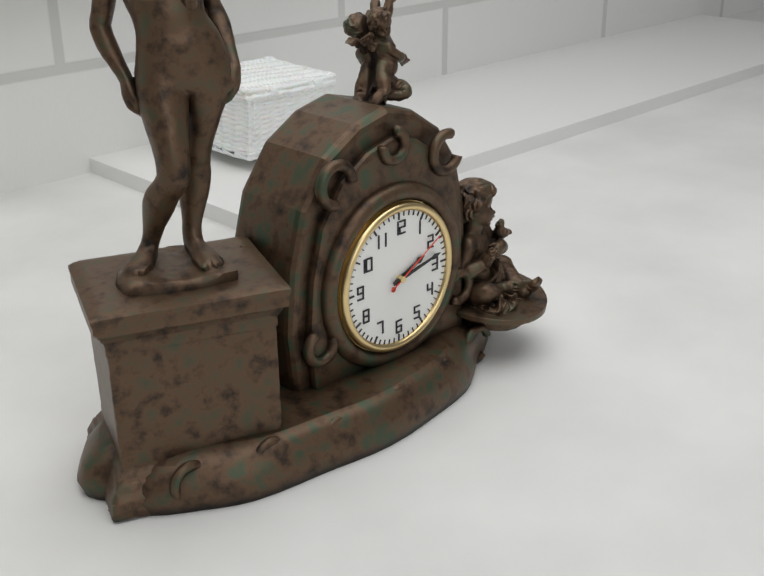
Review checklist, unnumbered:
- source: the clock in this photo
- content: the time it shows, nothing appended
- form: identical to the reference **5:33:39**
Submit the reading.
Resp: **2:13:10**
